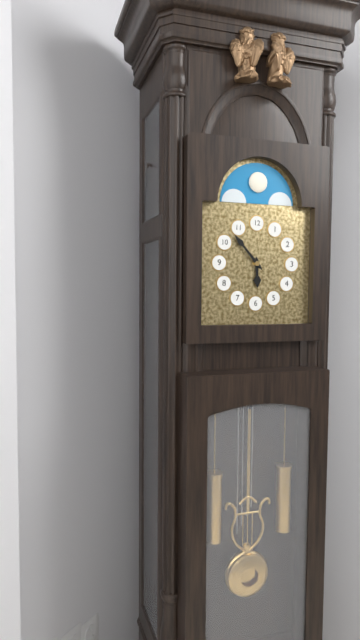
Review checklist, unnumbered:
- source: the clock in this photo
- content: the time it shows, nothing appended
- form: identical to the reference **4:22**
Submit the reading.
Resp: **5:53**
